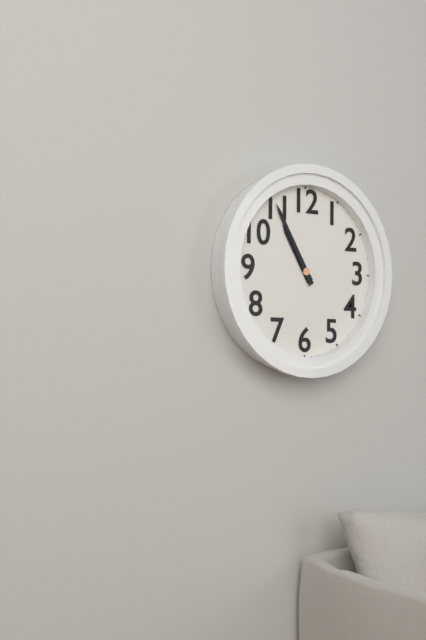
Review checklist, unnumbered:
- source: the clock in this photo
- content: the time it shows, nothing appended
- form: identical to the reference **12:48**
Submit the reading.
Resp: **10:55**
